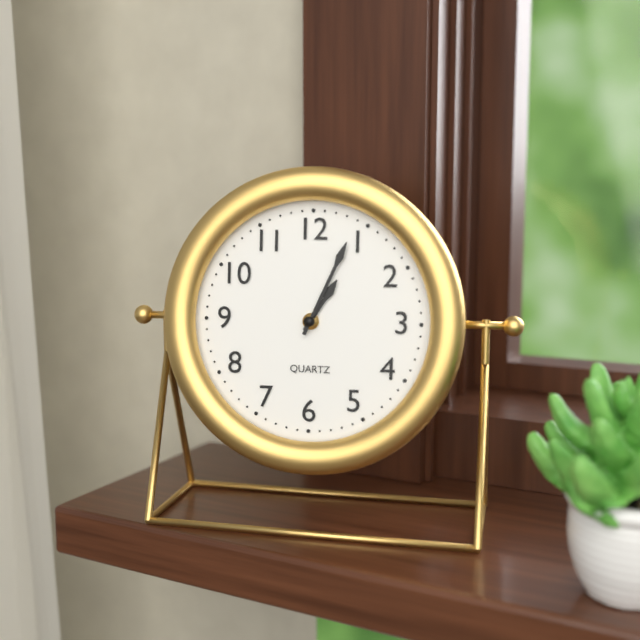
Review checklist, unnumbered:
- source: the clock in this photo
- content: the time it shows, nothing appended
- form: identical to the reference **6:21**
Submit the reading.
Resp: **1:04**
